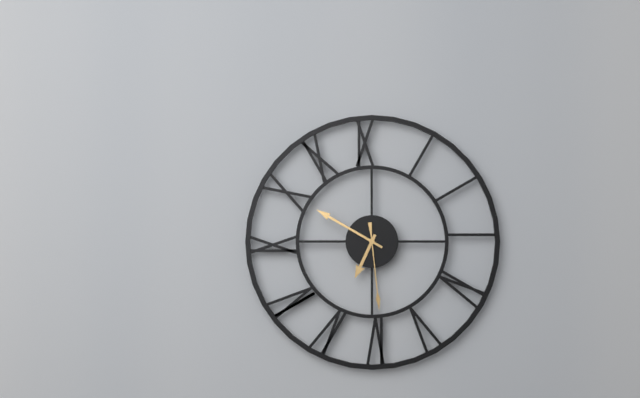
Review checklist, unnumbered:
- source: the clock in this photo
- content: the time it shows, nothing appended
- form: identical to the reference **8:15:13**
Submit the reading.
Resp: **6:50:29**
